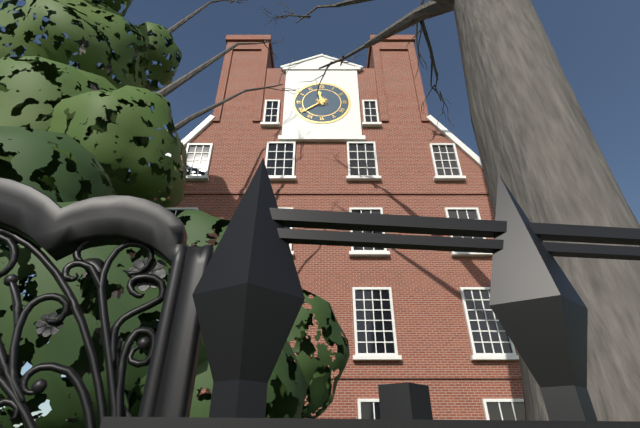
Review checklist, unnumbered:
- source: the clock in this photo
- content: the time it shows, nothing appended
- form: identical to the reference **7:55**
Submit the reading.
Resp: **11:39**
